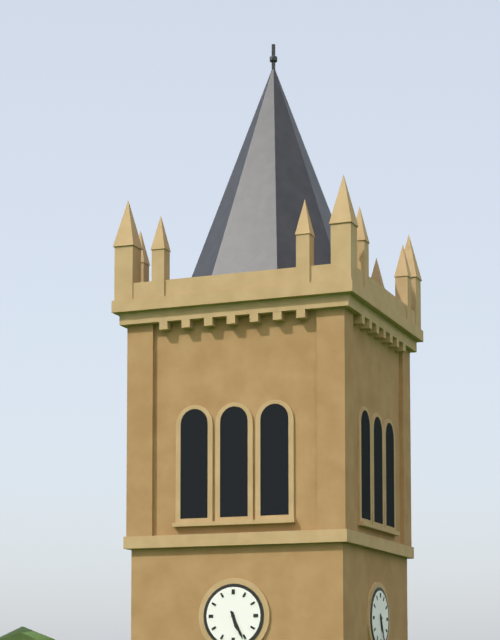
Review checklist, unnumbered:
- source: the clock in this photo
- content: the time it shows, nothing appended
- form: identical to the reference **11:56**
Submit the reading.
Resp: **5:26**
